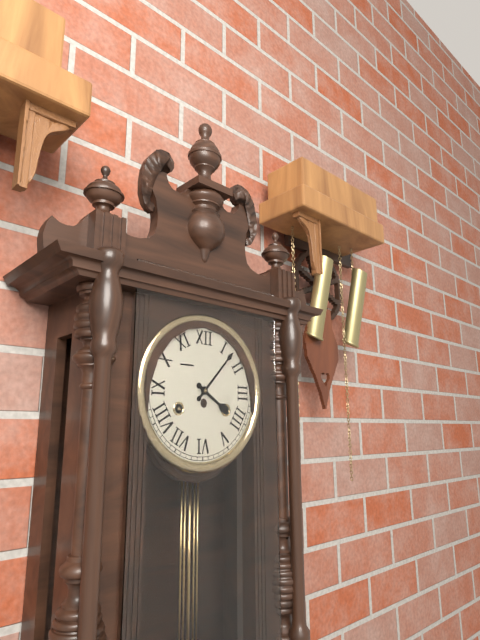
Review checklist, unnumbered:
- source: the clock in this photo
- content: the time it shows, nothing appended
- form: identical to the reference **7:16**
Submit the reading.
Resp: **4:07**
